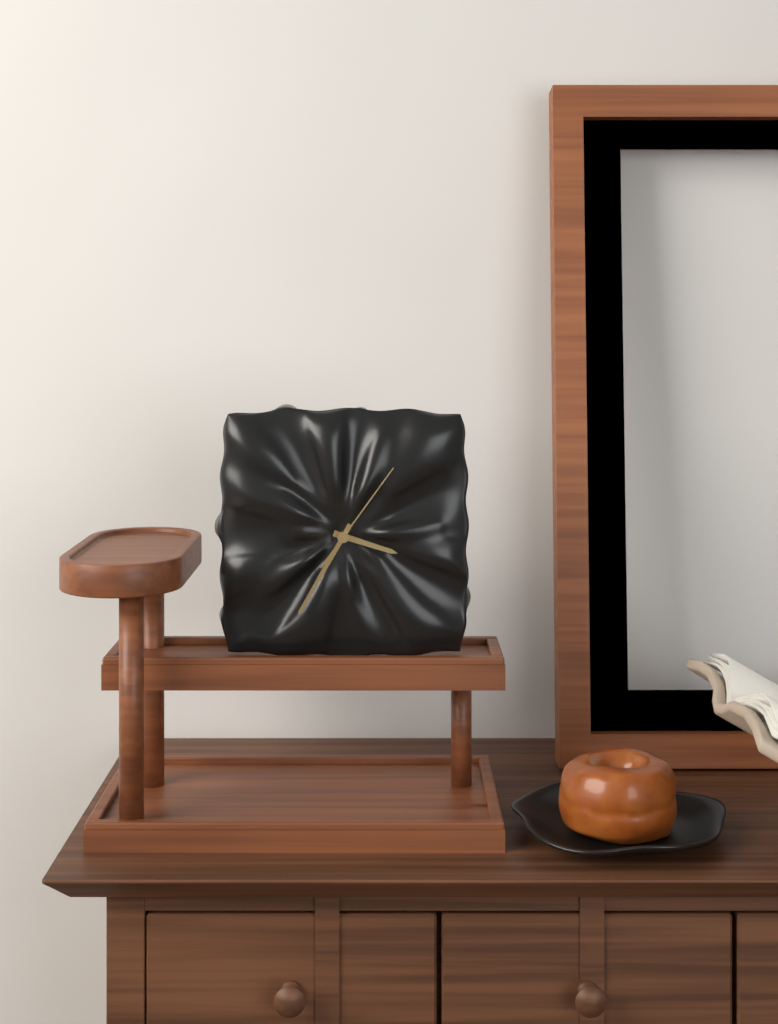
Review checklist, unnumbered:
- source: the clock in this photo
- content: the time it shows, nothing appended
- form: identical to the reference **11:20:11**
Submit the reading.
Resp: **3:35:06**
